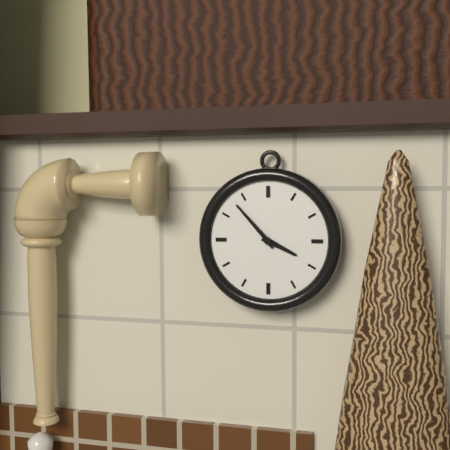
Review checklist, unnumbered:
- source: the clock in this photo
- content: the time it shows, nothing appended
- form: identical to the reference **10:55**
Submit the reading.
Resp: **3:53**
